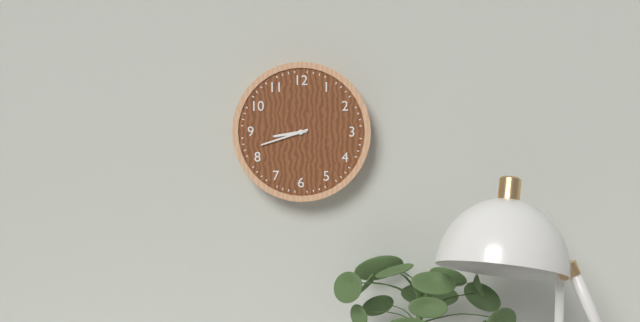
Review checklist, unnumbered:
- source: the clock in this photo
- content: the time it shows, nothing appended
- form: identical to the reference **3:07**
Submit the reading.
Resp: **8:42**
